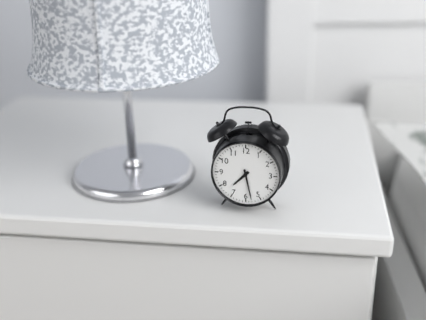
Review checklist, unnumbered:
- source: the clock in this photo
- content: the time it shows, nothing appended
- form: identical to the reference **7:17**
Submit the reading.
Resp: **7:28**
